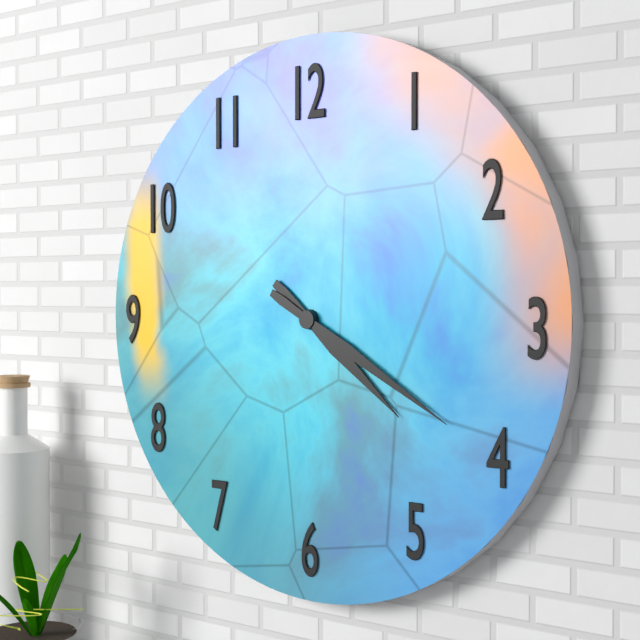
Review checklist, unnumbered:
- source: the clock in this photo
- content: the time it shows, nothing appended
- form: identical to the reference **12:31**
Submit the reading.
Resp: **4:20**
